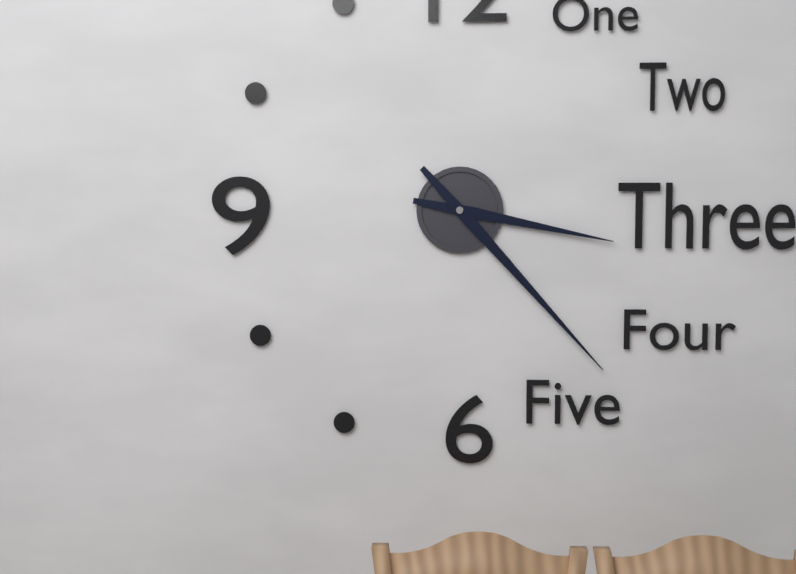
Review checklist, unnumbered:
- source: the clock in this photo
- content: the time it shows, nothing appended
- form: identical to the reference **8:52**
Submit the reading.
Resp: **3:23**
